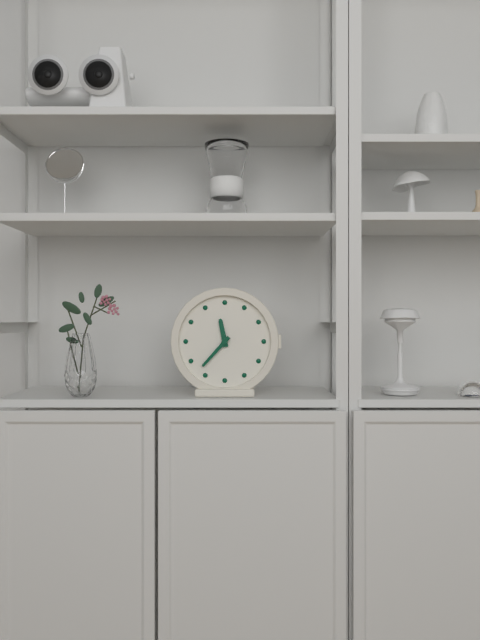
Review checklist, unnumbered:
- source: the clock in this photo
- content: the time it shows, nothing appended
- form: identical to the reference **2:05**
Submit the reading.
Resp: **11:37**
